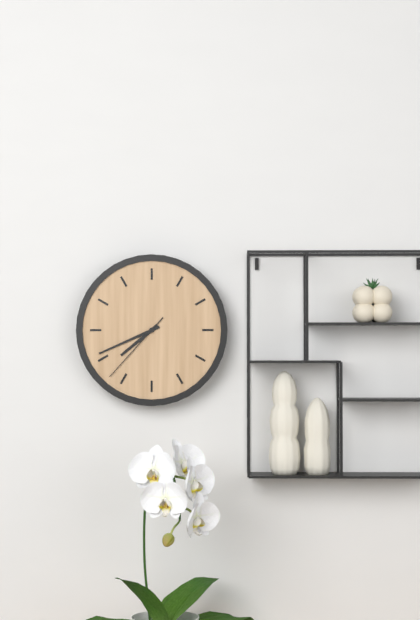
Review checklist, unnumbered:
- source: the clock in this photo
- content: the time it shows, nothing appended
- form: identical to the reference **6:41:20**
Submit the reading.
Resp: **7:41:37**
